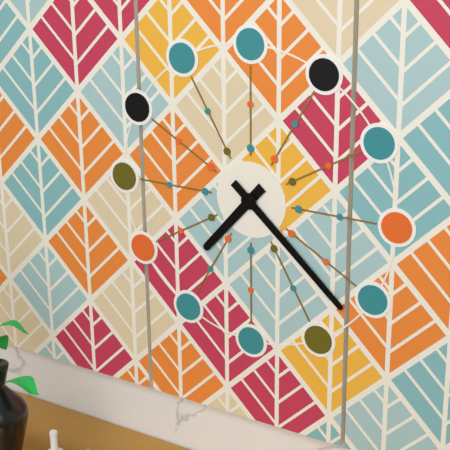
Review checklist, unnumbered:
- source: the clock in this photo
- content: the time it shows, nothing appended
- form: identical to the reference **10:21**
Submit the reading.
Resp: **7:22**
